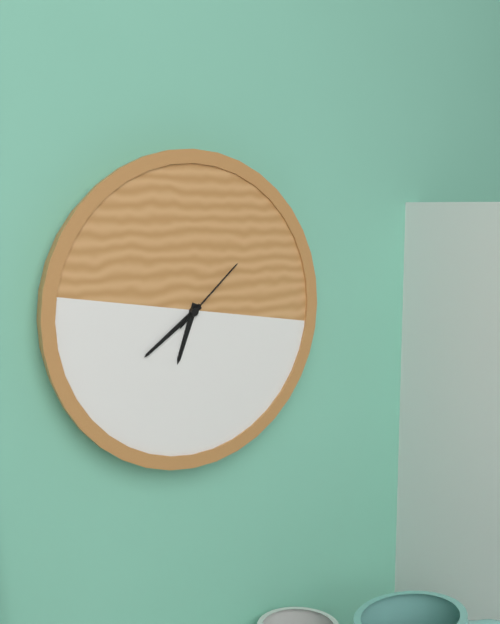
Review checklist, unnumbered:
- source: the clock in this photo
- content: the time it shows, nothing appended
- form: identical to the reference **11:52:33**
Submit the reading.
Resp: **6:39:08**
